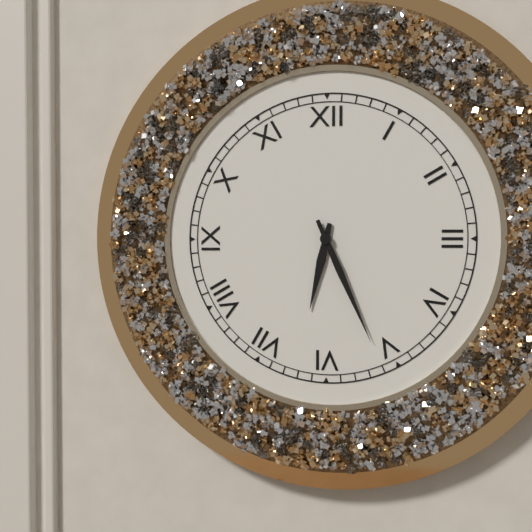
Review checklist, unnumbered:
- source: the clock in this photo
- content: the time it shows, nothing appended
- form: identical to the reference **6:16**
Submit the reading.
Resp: **6:26**
